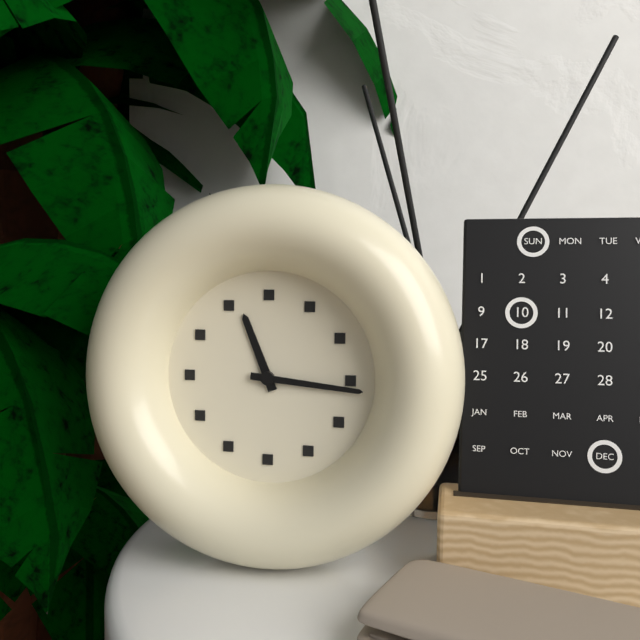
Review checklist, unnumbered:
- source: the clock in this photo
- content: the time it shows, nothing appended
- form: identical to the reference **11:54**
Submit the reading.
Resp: **11:16**
